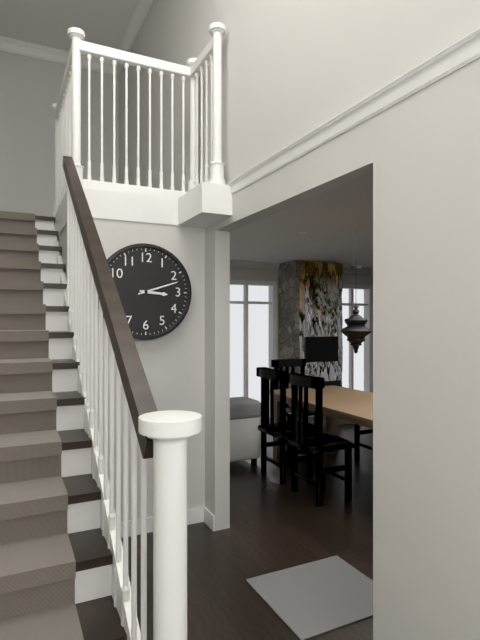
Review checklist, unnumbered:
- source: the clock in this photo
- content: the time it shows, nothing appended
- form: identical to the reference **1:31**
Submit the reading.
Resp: **3:12**
